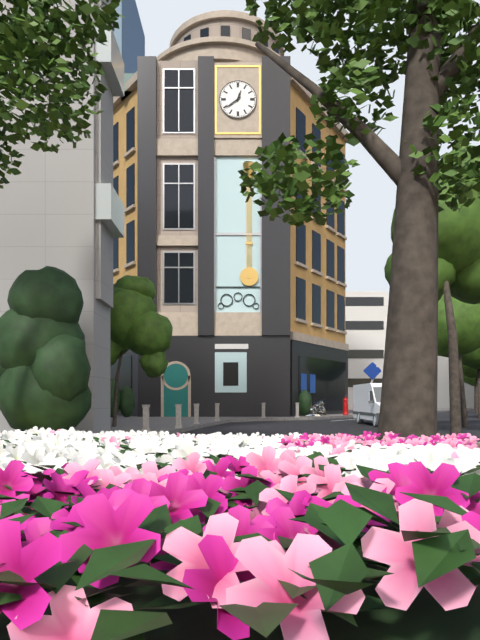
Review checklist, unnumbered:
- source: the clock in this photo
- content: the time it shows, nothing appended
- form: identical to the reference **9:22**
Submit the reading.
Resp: **12:39**
